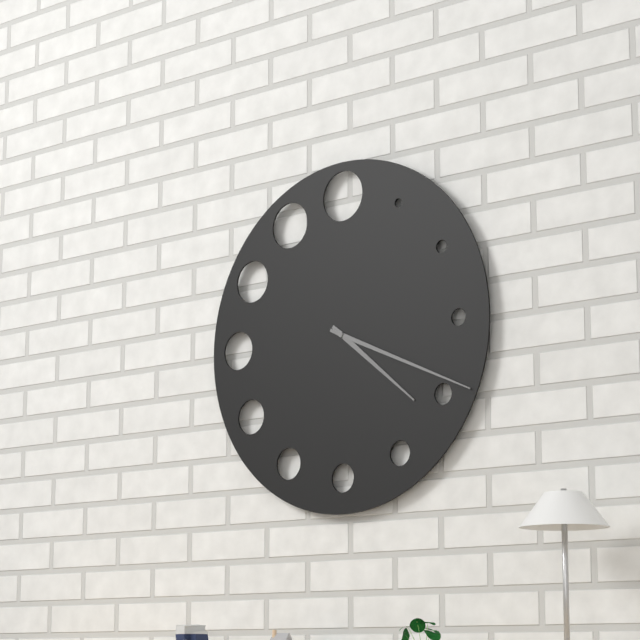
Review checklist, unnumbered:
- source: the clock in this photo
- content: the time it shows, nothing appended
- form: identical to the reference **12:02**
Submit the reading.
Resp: **4:19**
